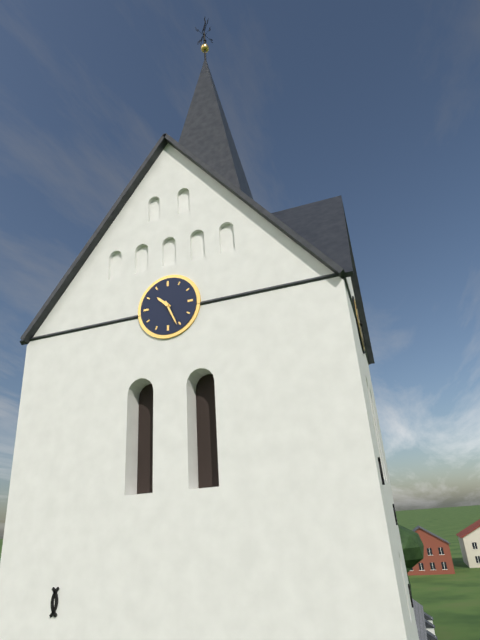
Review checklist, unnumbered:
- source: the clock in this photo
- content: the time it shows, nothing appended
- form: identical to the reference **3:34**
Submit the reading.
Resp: **10:26**
